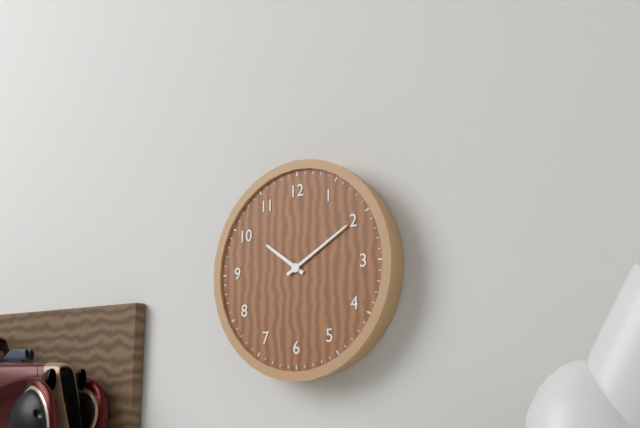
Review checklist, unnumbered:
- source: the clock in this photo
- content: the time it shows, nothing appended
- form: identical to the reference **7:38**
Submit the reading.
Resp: **10:10**
